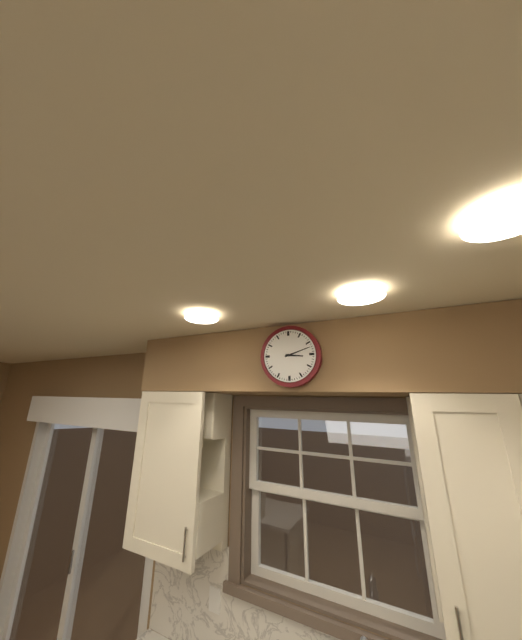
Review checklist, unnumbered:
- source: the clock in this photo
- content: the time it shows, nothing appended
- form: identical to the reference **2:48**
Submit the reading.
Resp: **3:12**
